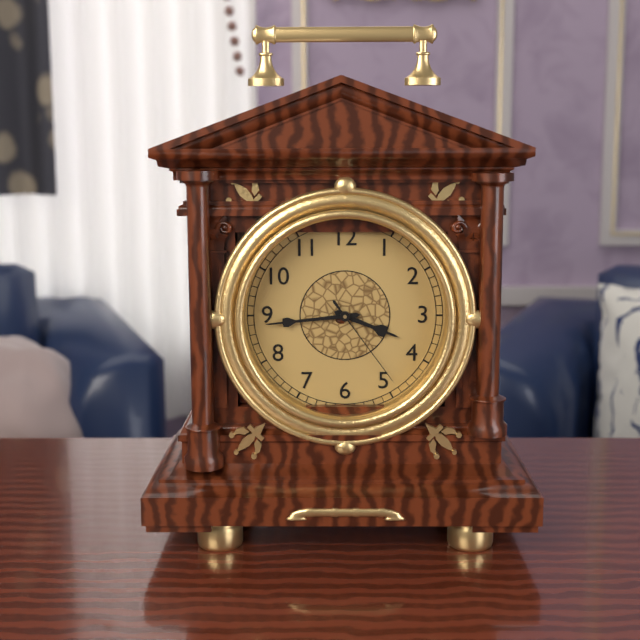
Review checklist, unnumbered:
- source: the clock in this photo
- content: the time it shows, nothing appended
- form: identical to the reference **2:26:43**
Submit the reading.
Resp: **3:44:24**
